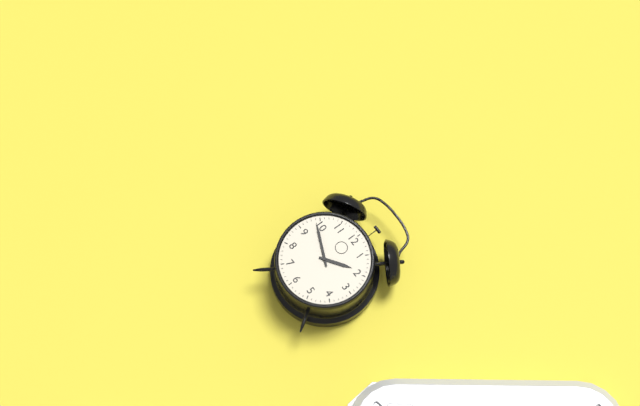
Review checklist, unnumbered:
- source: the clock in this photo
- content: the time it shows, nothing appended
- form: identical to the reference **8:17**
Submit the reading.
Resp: **1:49**
